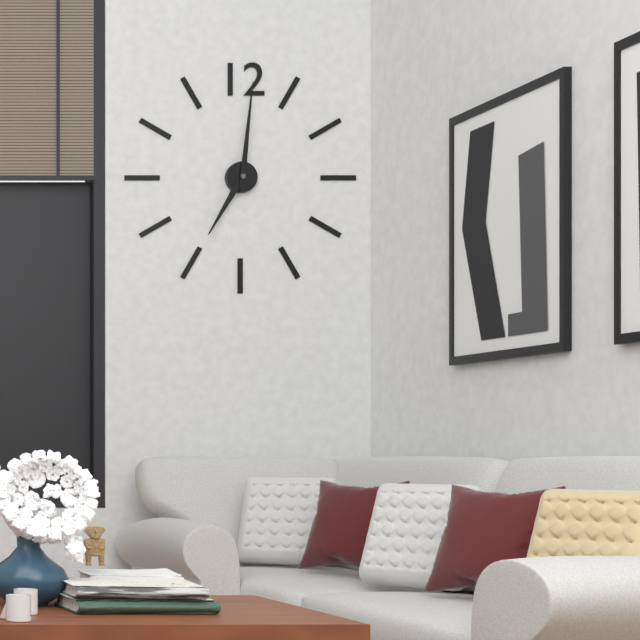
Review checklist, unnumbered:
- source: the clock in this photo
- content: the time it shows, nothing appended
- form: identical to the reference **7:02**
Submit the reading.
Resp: **7:01**
